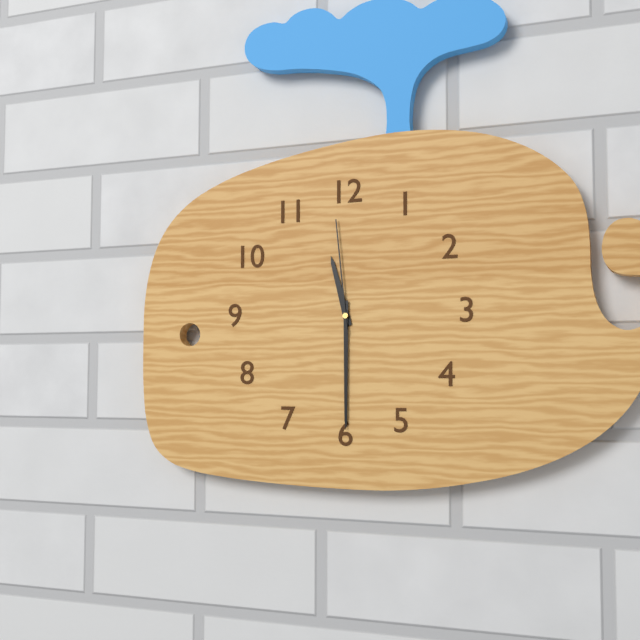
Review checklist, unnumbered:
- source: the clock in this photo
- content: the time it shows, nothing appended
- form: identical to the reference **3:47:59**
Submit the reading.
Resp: **11:30:59**
